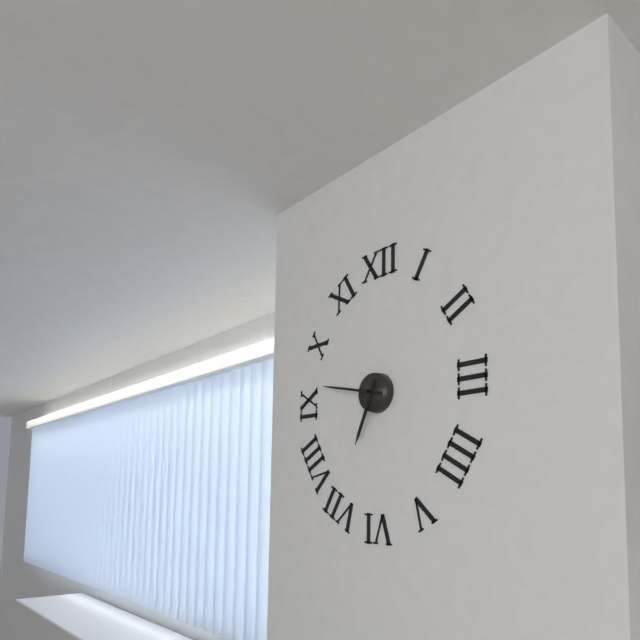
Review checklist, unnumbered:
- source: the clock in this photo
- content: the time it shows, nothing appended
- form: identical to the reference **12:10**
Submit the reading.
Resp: **6:47**
